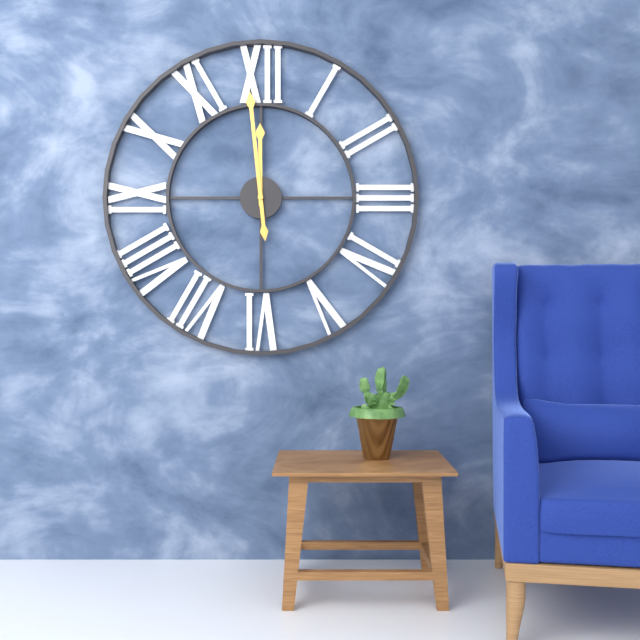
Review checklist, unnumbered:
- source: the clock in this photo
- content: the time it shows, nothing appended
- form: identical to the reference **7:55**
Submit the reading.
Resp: **11:59**
